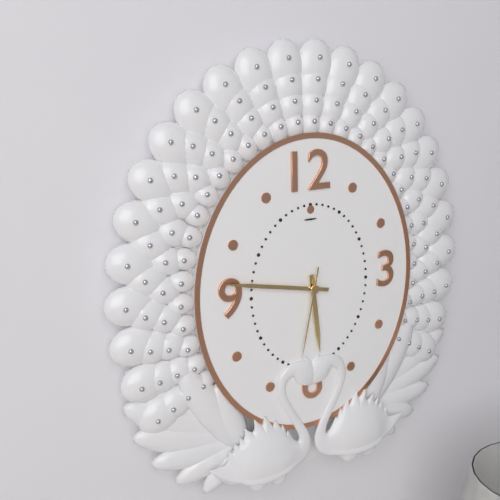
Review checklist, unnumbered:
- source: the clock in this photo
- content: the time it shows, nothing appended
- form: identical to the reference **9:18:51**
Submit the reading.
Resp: **5:47:32**
